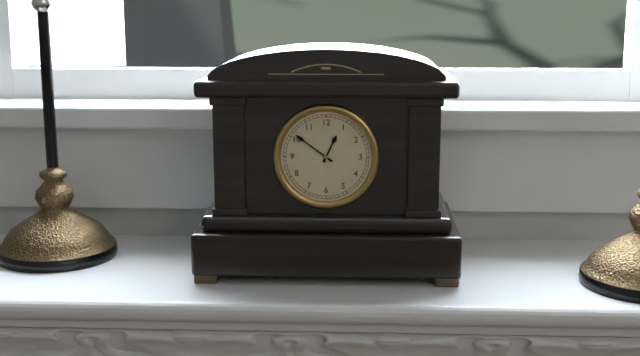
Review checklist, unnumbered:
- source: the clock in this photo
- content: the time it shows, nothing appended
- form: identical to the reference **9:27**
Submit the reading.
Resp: **12:51**
